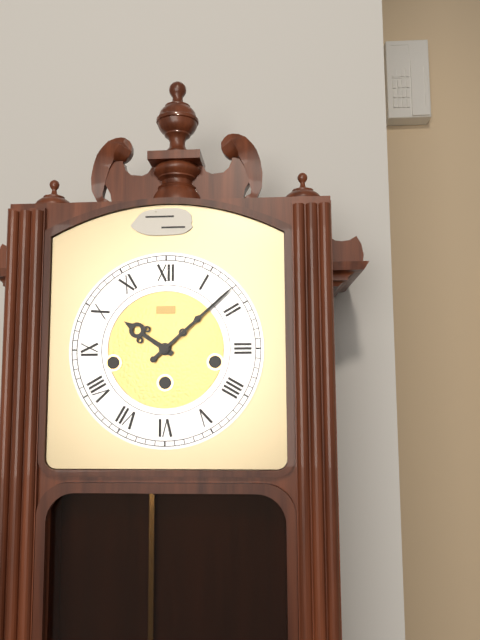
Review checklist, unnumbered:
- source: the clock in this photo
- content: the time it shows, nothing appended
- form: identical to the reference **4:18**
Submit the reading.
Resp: **10:08**
